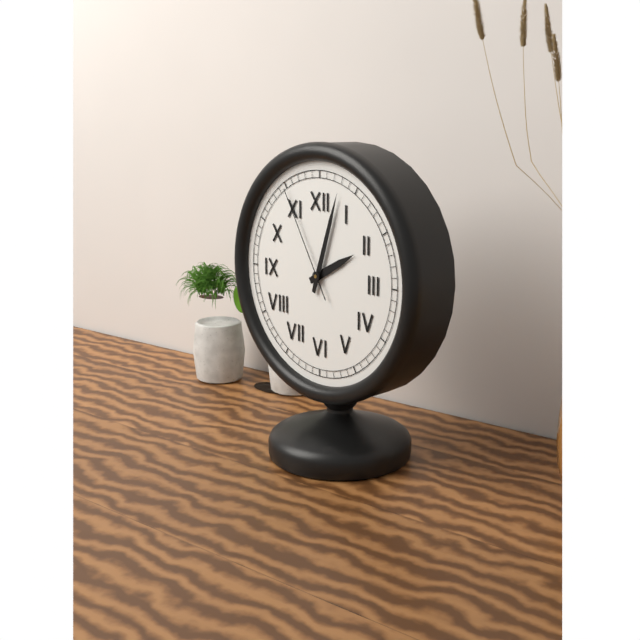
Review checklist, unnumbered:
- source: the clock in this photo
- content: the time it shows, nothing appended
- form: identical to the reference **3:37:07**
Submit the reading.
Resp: **2:03:55**
